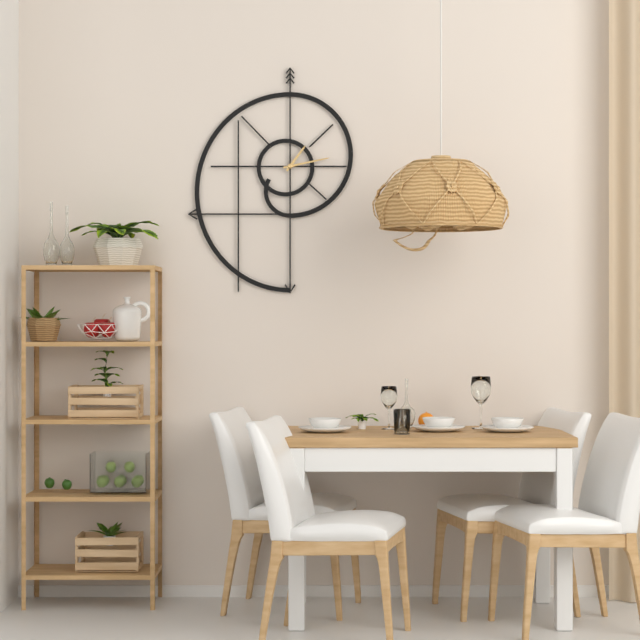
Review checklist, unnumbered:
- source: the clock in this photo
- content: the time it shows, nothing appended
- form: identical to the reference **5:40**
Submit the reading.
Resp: **1:13**
